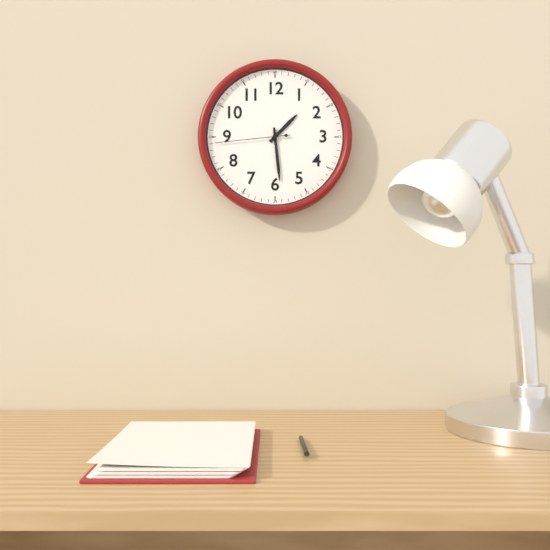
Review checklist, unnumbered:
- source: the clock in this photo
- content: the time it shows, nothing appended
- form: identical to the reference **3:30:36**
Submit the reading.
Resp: **1:29:44**
